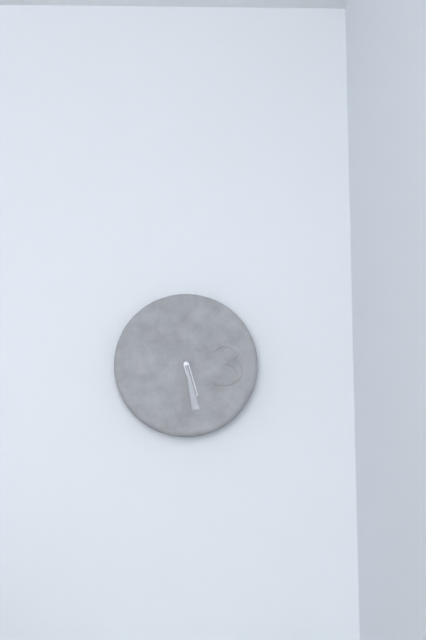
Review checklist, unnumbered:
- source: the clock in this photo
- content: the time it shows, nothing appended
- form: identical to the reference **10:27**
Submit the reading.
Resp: **5:28**
